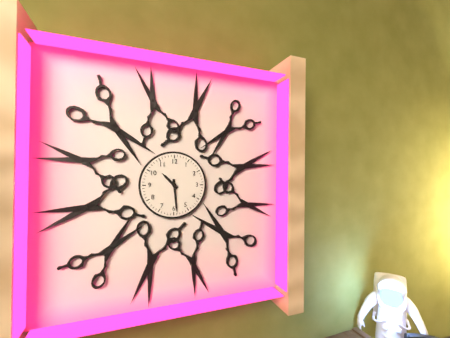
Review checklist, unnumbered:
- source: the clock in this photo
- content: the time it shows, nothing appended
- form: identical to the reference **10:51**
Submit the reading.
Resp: **10:29**
